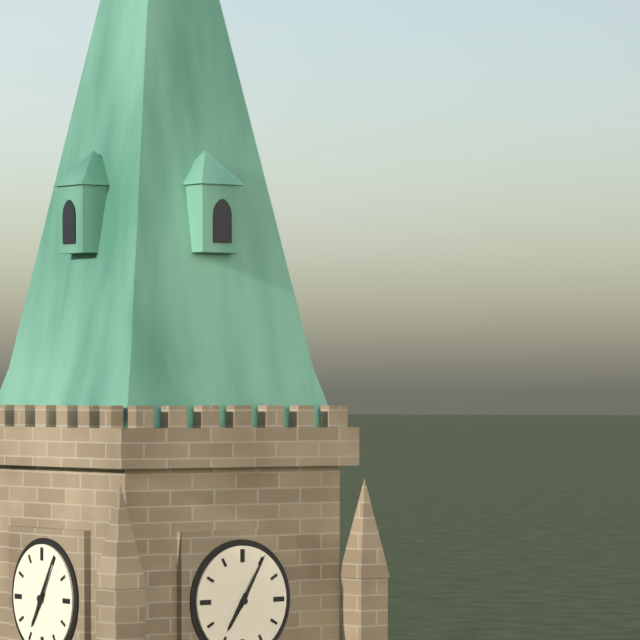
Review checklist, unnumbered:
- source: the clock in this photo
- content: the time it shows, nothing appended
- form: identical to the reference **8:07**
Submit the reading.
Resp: **7:05**
